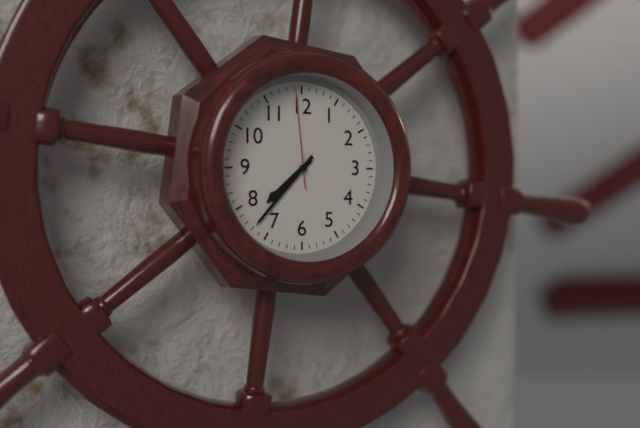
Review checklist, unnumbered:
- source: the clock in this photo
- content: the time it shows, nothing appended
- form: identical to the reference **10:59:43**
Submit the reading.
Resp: **7:37:59**
